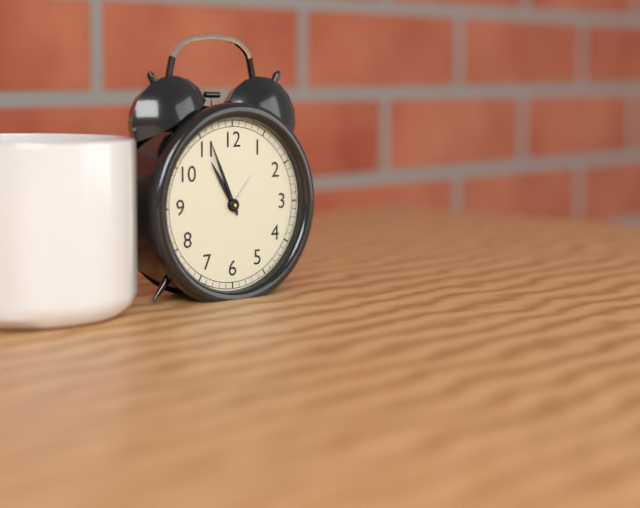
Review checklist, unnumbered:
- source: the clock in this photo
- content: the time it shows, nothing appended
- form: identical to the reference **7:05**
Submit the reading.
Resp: **10:56**
